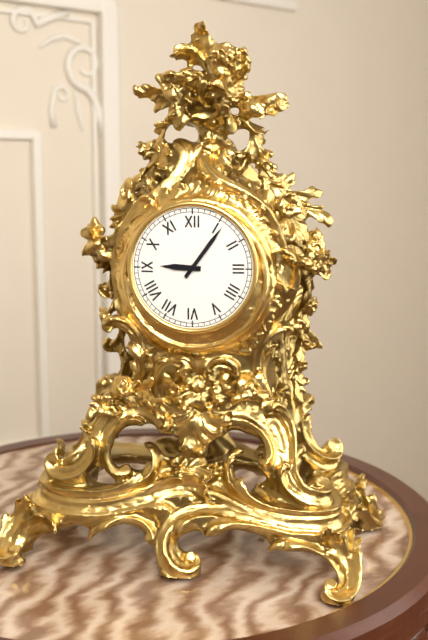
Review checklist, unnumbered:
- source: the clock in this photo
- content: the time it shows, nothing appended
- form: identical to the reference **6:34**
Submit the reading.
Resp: **9:06**
